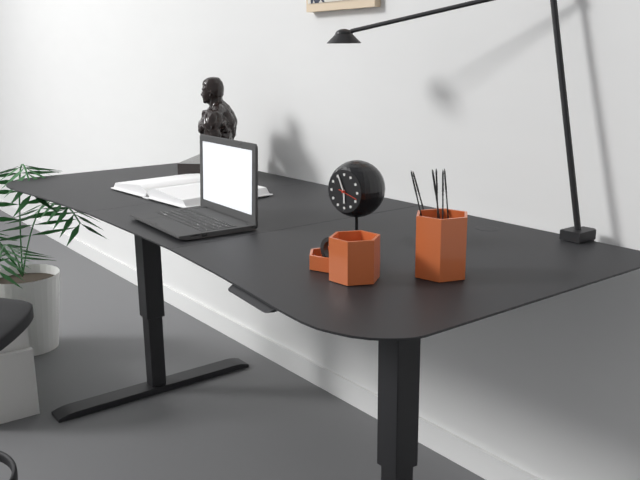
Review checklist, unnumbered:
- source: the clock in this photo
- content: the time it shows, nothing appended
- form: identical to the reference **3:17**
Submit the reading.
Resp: **5:56**
